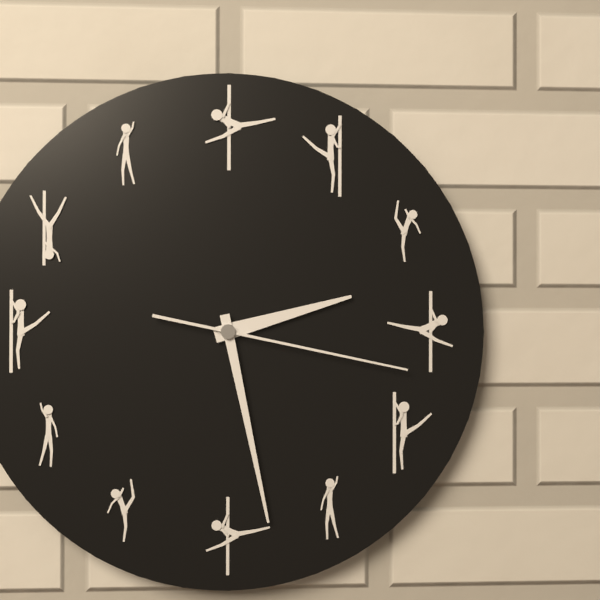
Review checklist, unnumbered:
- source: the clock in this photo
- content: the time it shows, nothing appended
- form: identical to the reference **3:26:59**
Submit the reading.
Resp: **2:28:17**
